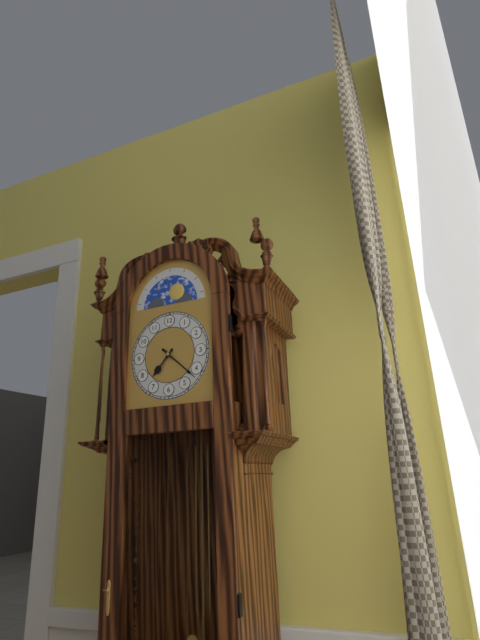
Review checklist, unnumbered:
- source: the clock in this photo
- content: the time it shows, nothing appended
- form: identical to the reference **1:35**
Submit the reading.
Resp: **7:22**
